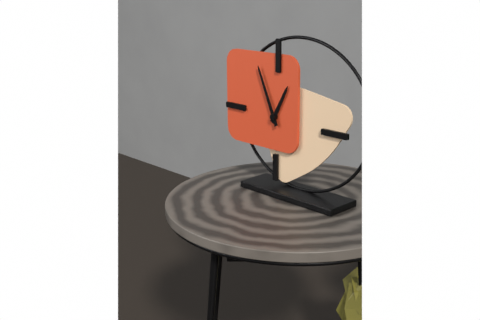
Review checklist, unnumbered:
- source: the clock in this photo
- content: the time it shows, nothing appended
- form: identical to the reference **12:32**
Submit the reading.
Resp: **12:56**
